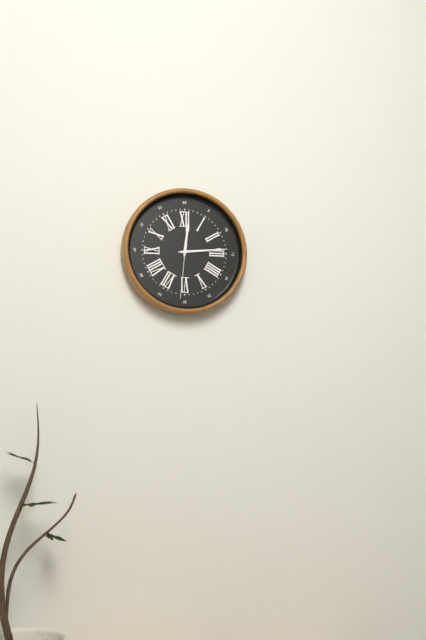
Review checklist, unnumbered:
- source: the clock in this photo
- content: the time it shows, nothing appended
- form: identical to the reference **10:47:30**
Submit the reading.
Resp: **12:14:31**
